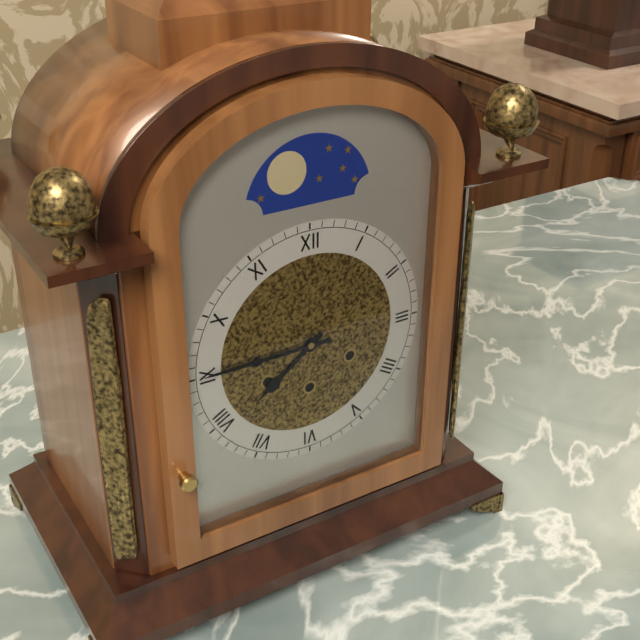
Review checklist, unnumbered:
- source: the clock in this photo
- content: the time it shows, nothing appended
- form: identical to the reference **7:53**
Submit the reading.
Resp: **7:45**
